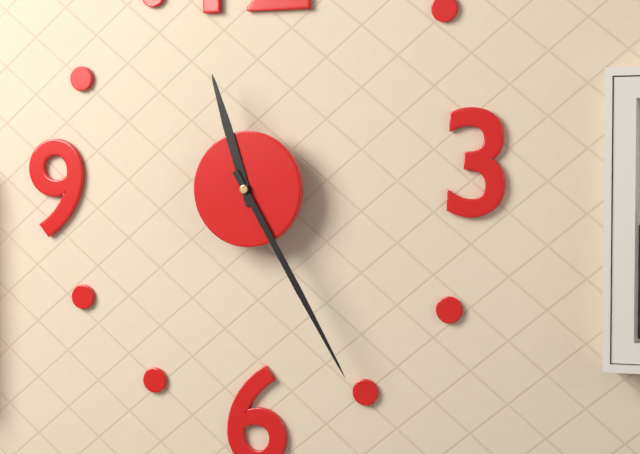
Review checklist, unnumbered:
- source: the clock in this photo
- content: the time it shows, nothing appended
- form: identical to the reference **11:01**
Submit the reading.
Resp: **11:25**
